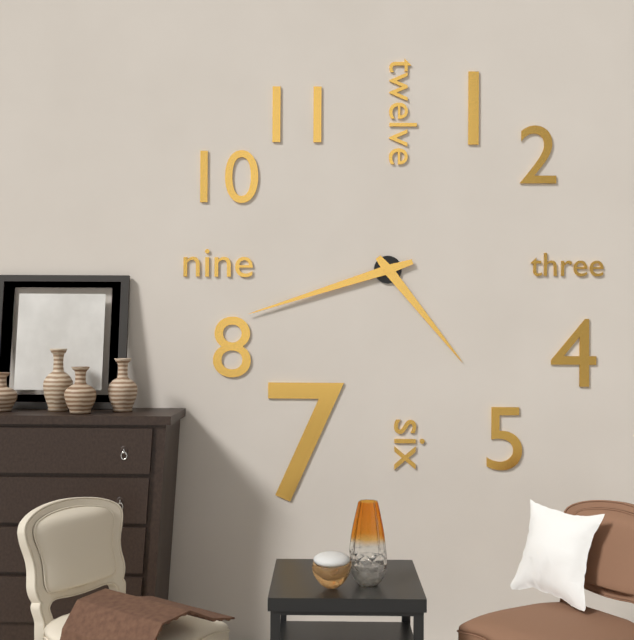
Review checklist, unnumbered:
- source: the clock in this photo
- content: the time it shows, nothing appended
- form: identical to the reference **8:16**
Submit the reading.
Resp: **4:42**
